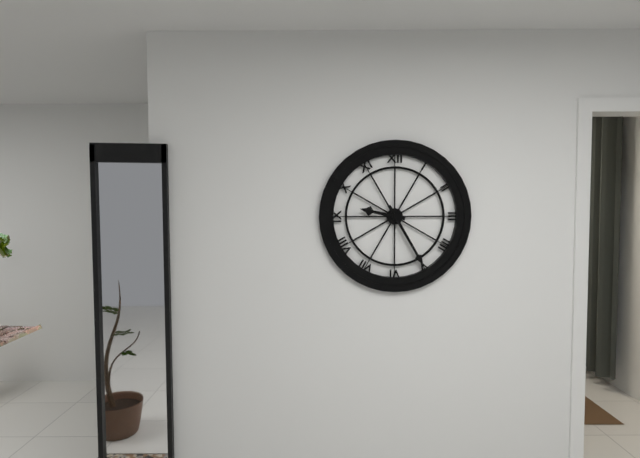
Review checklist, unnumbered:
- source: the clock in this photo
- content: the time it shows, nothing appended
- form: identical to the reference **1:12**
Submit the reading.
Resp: **9:25**
